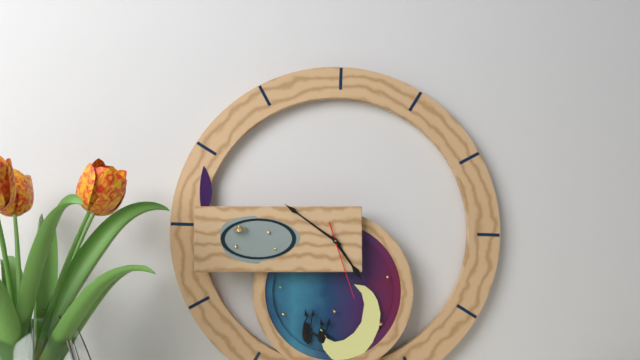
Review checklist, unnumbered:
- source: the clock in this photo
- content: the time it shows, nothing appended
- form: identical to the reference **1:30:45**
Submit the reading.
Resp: **4:51:27**
